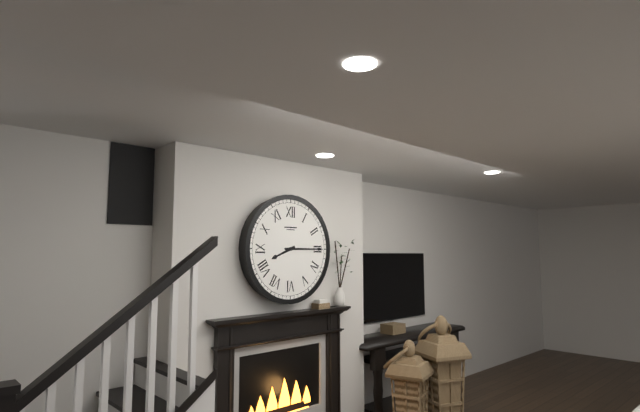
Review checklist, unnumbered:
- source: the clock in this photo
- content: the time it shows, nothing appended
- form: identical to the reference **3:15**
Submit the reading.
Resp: **8:15**
